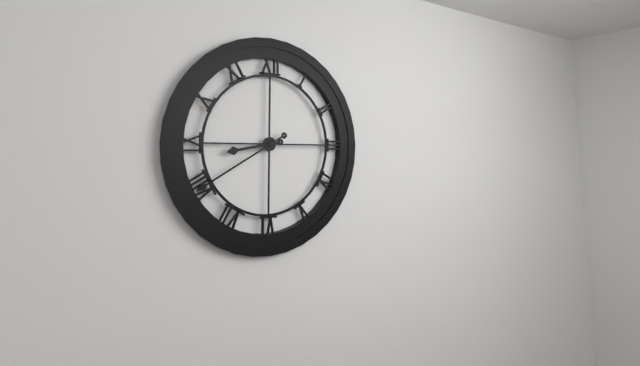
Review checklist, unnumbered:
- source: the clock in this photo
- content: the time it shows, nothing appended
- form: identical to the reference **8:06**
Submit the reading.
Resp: **8:40**
